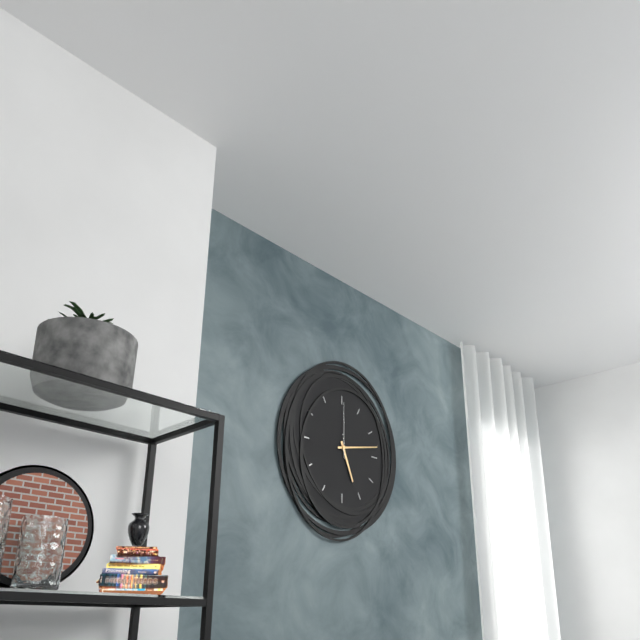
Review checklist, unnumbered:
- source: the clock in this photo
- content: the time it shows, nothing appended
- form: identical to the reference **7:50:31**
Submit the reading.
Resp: **5:13:00**
